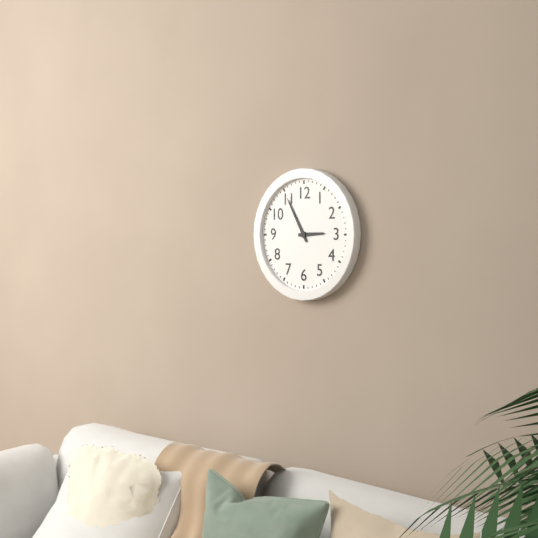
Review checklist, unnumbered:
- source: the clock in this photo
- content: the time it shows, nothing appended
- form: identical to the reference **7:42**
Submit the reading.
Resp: **2:55**
